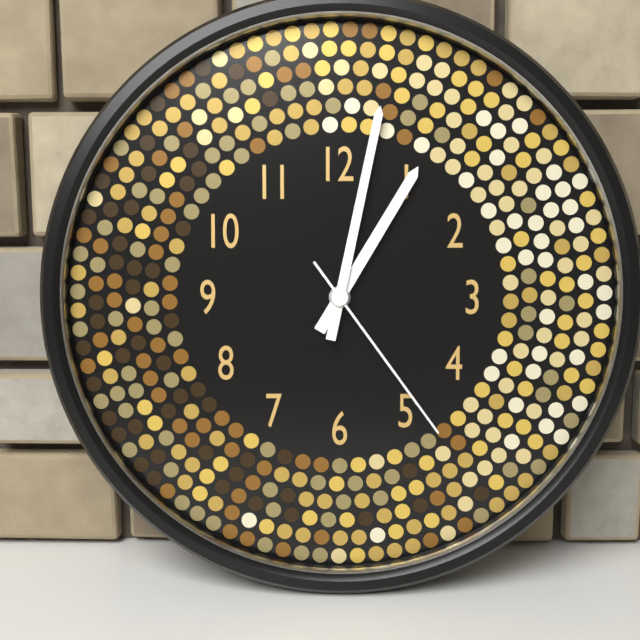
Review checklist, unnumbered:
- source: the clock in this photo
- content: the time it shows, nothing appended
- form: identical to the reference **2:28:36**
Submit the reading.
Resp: **1:02:24**
